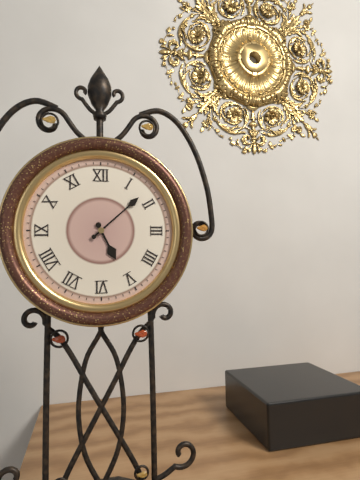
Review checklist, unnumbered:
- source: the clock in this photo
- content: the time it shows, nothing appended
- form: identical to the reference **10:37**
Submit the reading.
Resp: **5:08**
